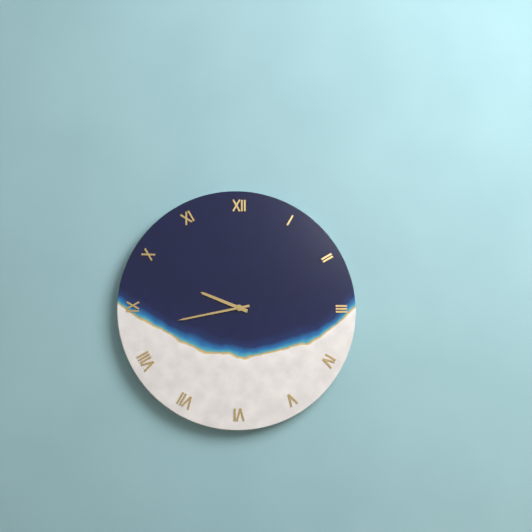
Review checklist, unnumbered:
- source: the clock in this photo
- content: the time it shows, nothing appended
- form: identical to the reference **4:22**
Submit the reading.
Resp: **9:43**
